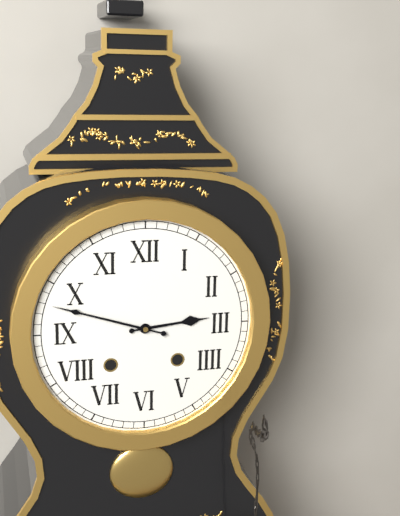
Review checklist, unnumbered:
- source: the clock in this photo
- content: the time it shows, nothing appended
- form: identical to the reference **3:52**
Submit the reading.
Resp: **2:48**
